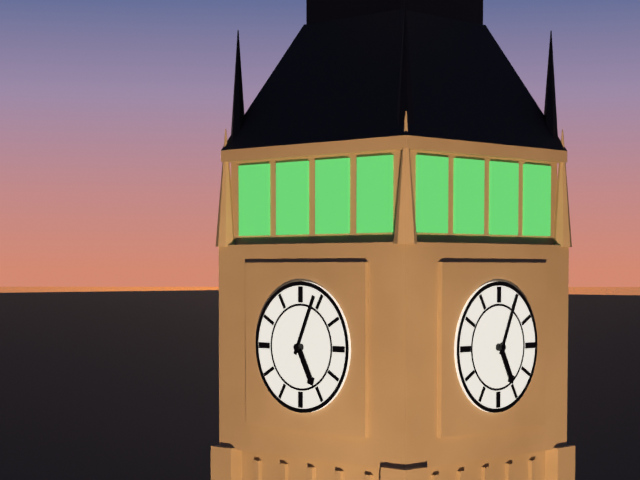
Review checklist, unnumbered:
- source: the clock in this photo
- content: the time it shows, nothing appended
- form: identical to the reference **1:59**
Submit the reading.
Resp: **5:04**
